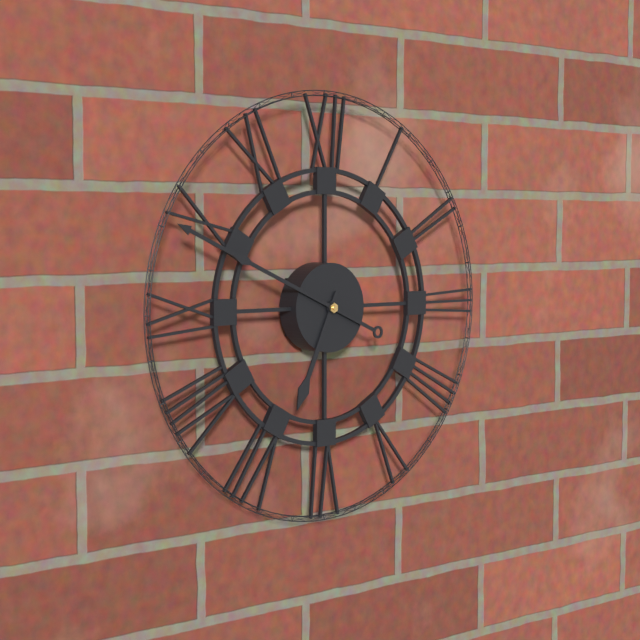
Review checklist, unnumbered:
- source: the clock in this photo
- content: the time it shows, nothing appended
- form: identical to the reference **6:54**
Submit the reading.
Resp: **6:49**
